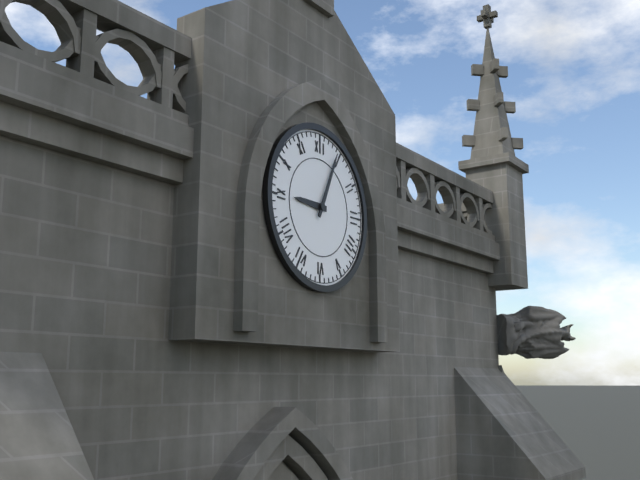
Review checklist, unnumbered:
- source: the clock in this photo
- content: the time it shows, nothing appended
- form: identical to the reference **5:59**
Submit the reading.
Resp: **9:04**
